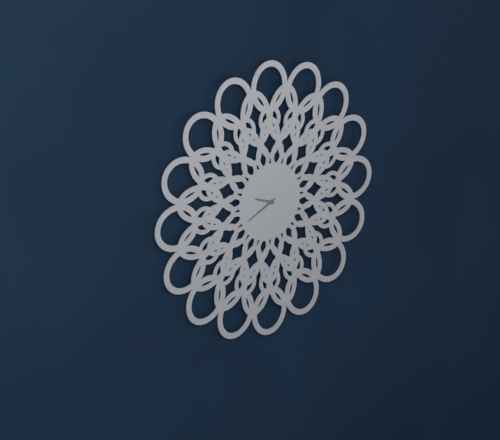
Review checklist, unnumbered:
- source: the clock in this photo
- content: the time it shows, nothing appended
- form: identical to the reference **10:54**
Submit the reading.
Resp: **9:41**
